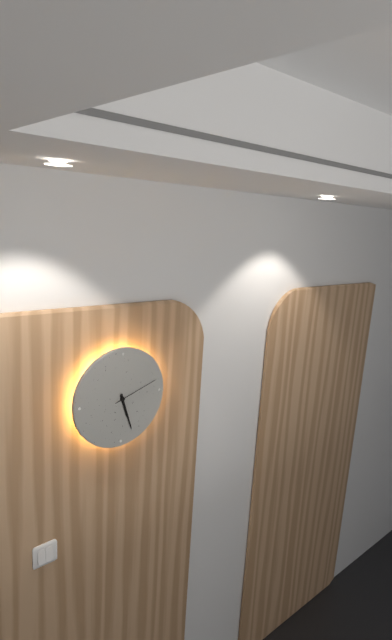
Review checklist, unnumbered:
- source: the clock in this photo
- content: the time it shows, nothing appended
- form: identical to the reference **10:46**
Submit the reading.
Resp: **5:27**
